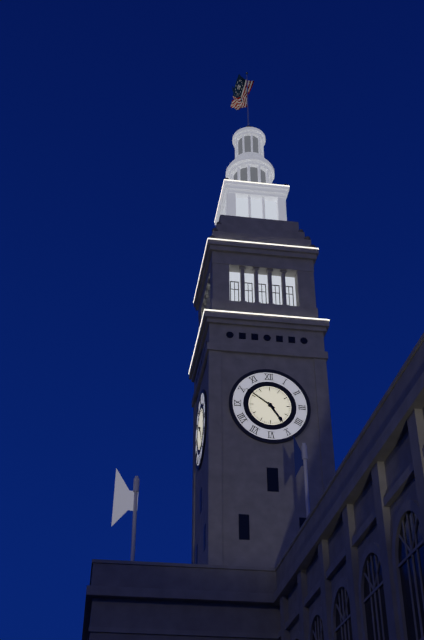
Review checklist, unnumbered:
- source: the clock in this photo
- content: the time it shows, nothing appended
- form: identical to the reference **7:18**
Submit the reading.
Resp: **4:51**
